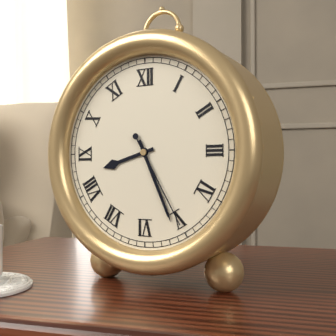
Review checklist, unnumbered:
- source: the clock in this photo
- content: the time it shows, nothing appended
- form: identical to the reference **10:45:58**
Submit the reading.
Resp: **8:26:25**
